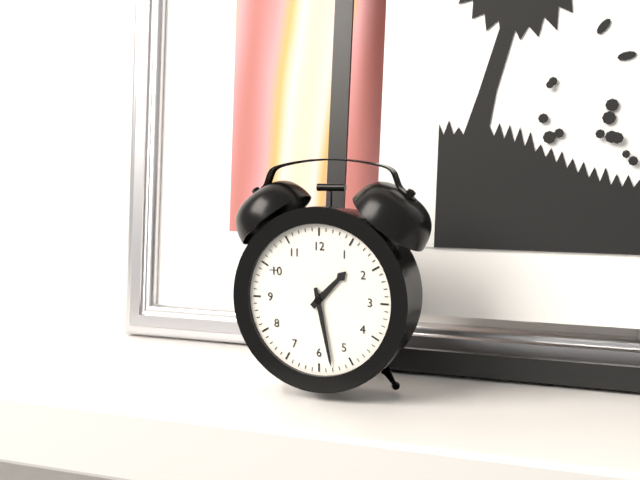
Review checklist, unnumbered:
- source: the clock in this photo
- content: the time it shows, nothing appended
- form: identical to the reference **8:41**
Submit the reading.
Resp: **1:28**
